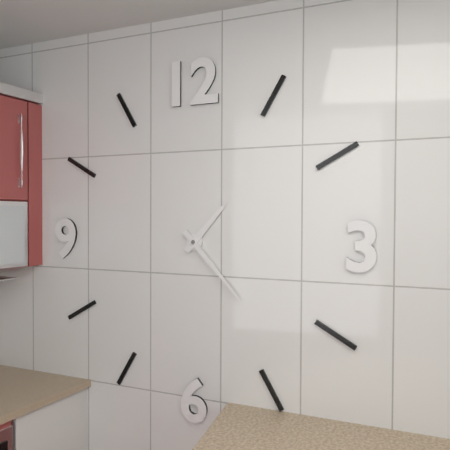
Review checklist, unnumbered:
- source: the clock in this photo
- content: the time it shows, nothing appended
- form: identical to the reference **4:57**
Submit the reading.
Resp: **1:23**
